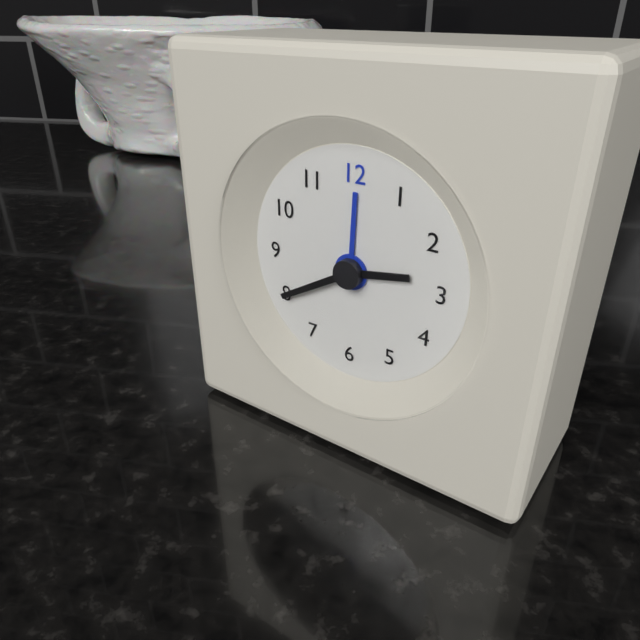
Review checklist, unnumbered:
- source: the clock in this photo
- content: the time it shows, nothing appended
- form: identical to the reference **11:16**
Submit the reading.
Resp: **2:40**
